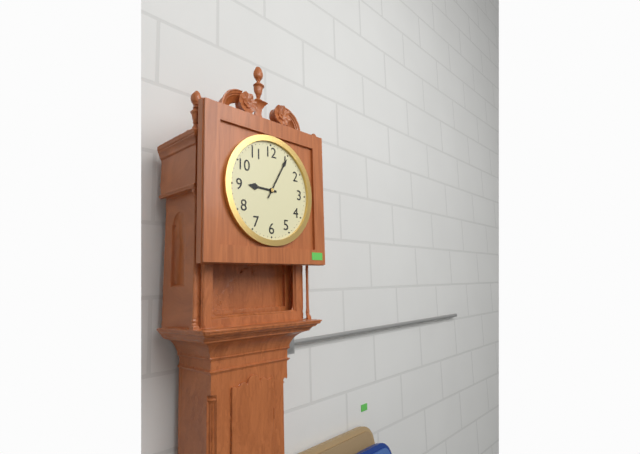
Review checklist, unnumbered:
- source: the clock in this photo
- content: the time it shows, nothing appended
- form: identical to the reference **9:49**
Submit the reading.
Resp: **9:05**
